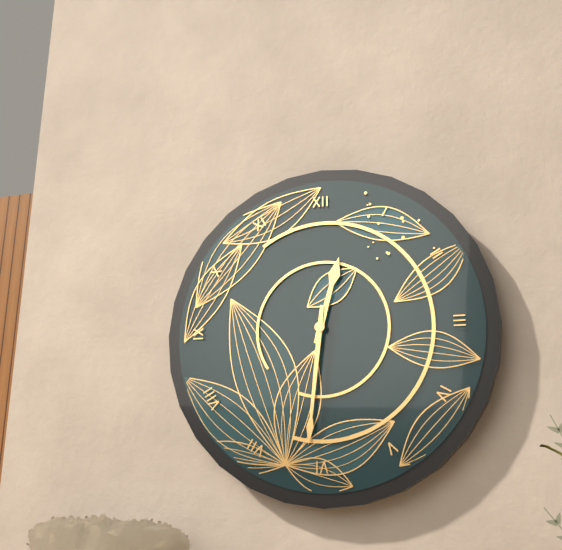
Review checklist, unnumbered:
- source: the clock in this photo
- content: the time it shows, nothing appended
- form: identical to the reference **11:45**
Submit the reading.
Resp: **12:31**
